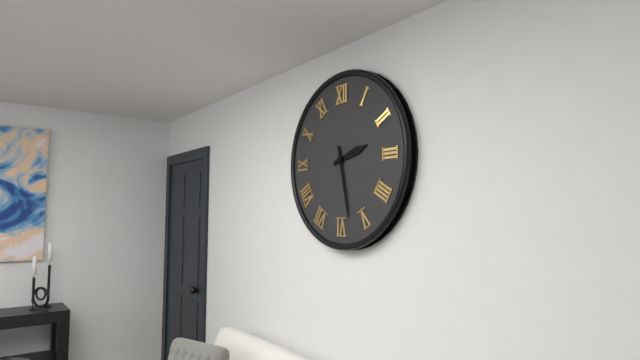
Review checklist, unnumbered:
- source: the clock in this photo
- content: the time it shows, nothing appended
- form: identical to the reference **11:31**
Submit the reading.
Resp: **2:28**
